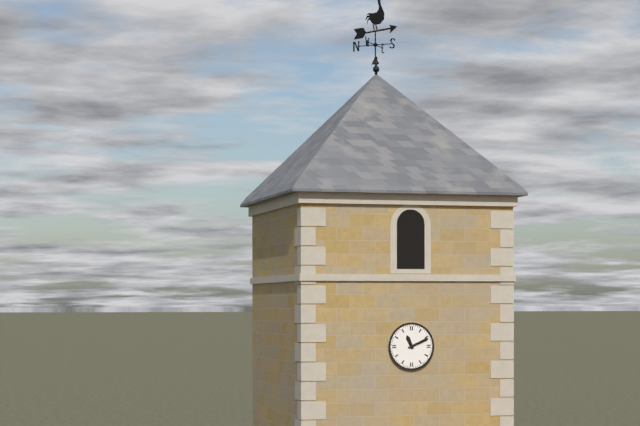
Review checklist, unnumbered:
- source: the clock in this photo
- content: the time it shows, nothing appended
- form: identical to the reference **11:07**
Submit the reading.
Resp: **11:11**
